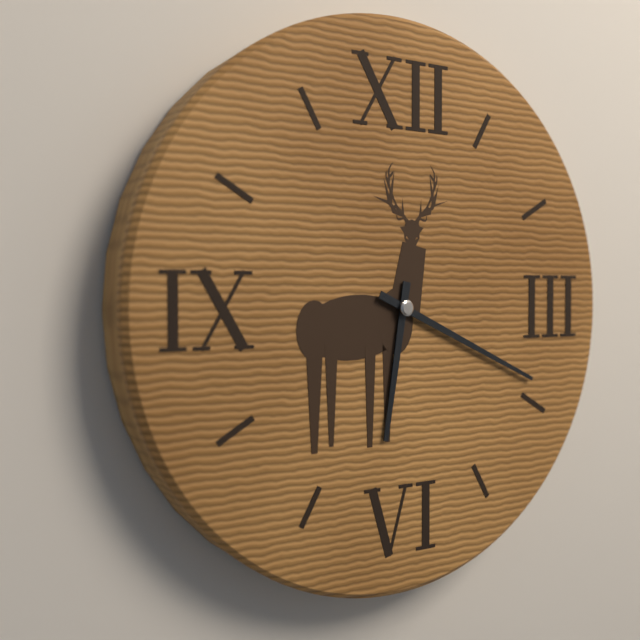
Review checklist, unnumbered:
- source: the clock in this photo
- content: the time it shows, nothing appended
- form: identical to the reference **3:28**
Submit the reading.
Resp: **6:19**
